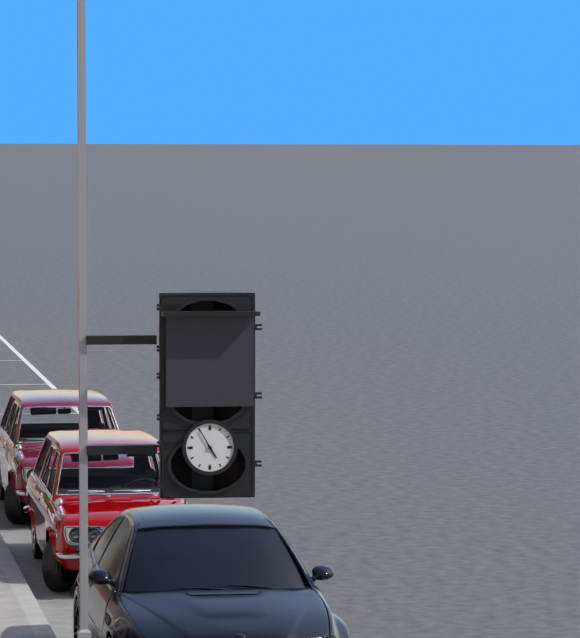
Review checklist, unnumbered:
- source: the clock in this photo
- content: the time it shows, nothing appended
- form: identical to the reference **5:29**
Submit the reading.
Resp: **4:55**
